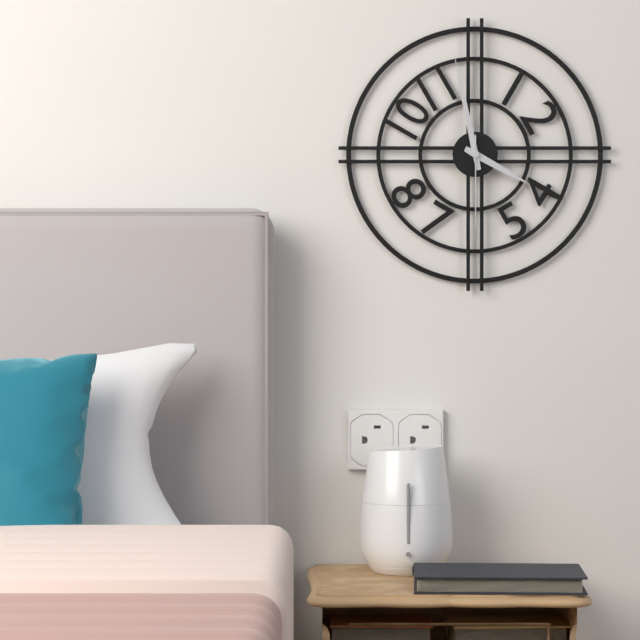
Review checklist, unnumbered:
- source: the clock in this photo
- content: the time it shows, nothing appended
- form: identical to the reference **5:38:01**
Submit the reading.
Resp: **3:58:30**
